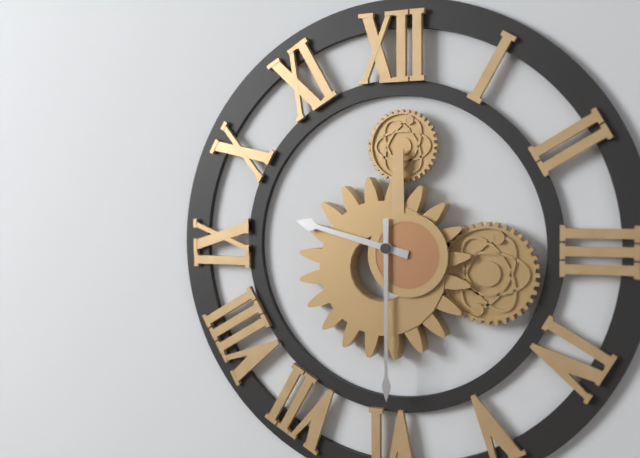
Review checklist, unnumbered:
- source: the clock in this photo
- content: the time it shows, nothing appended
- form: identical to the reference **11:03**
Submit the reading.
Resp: **9:30**
